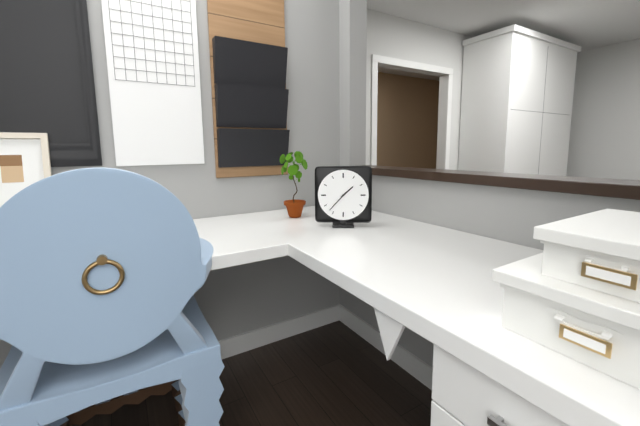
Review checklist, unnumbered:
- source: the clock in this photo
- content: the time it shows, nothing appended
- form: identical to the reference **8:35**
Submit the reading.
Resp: **1:37**
